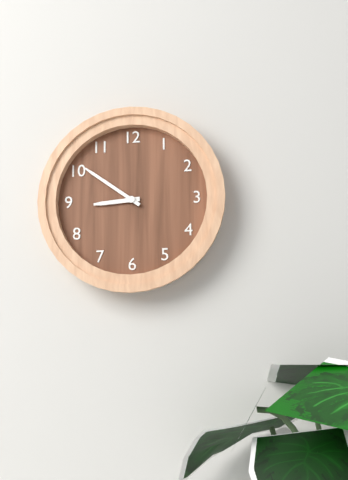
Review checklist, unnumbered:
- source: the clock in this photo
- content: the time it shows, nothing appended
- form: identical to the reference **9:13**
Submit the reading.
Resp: **8:51**
